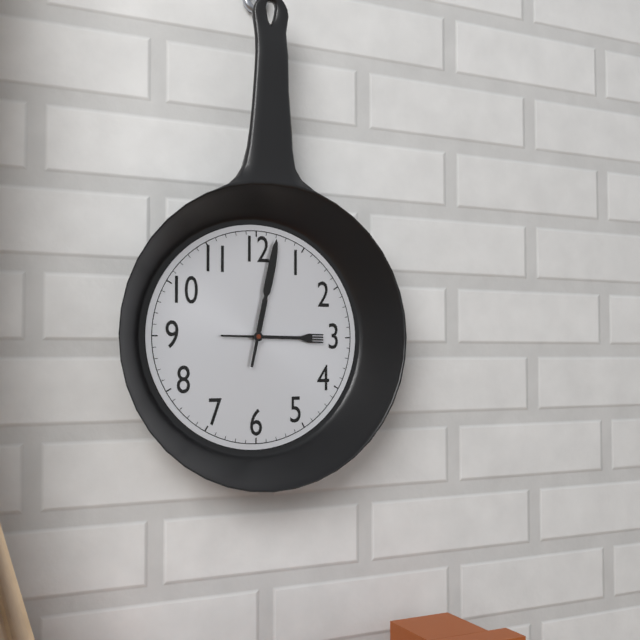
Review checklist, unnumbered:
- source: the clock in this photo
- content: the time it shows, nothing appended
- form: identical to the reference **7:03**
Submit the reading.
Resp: **3:02**
